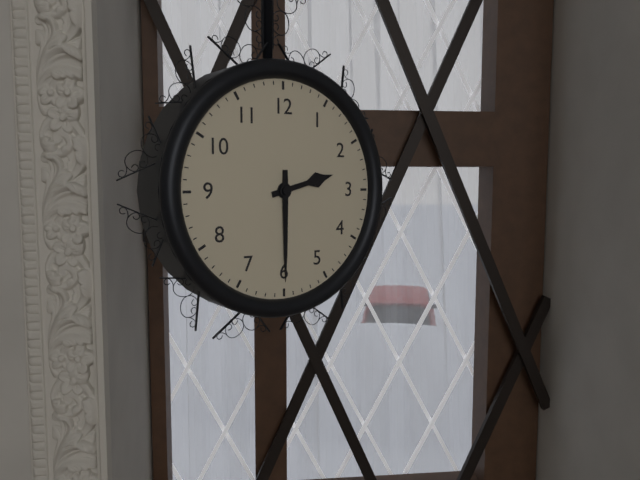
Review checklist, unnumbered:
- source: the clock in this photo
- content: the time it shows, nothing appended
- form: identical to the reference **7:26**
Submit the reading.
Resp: **2:30**
